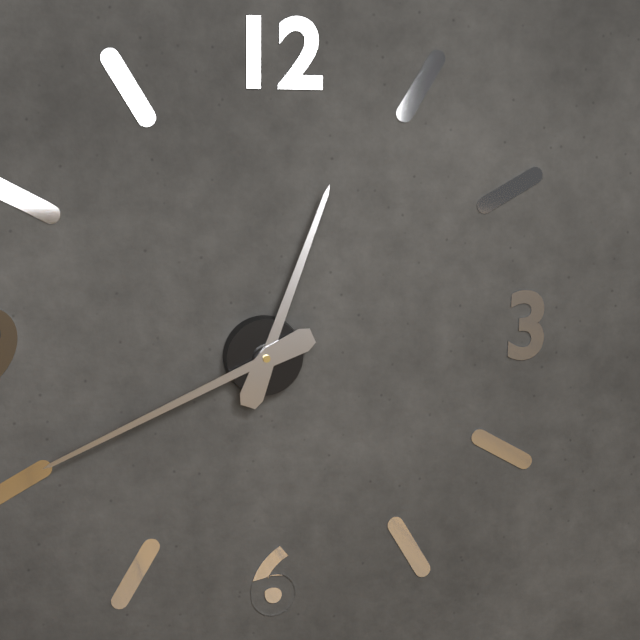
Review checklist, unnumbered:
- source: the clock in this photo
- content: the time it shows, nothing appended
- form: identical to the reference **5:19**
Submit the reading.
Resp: **12:41**
